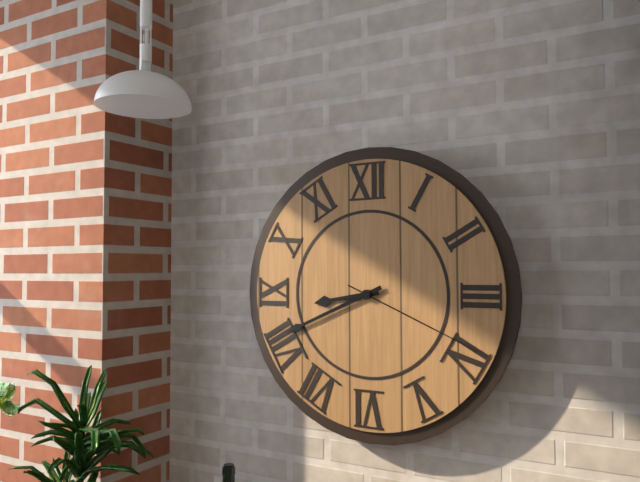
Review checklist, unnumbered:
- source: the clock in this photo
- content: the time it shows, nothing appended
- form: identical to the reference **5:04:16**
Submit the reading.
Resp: **8:41:19**
